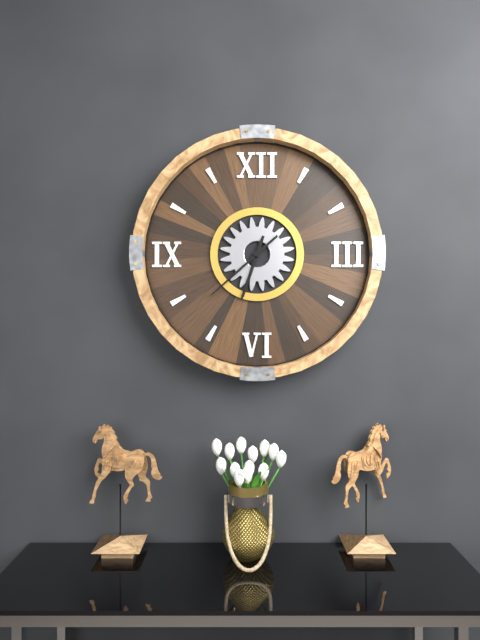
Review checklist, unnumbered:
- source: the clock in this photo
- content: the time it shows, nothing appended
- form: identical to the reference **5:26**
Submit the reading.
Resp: **6:38**
